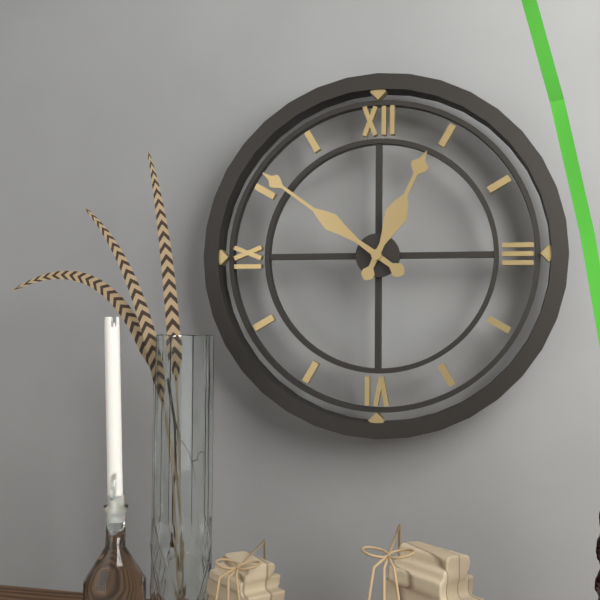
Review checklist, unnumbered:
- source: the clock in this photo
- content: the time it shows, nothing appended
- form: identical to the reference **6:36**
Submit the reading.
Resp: **12:51**
